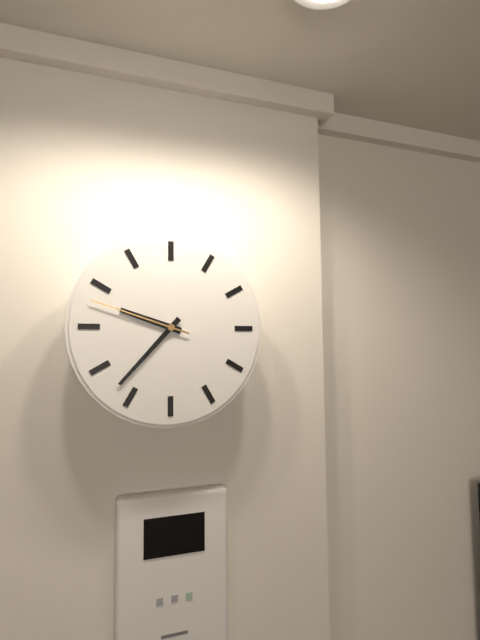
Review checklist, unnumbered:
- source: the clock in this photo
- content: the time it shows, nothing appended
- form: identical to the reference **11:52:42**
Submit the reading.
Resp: **9:37:48**
